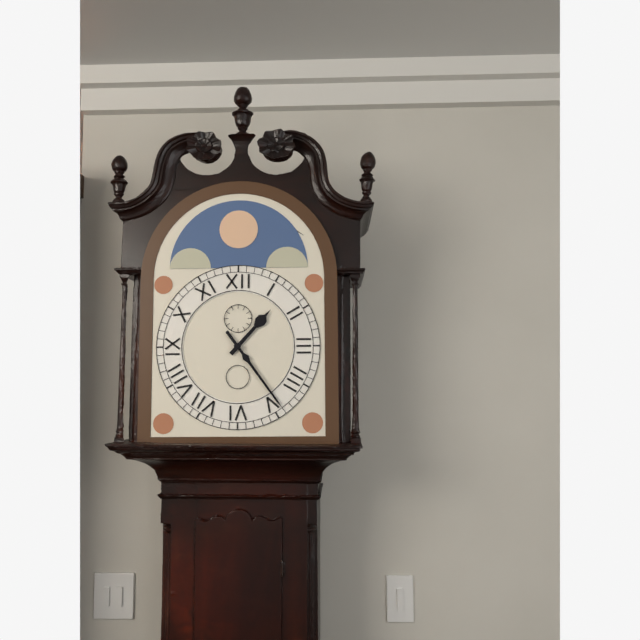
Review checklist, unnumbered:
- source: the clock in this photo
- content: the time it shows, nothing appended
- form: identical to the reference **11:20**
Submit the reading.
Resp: **1:24**
